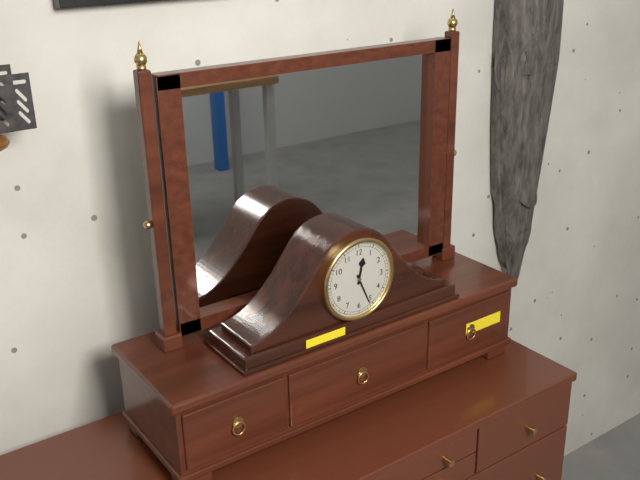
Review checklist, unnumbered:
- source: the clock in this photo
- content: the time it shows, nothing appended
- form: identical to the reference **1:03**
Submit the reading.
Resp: **12:26**
